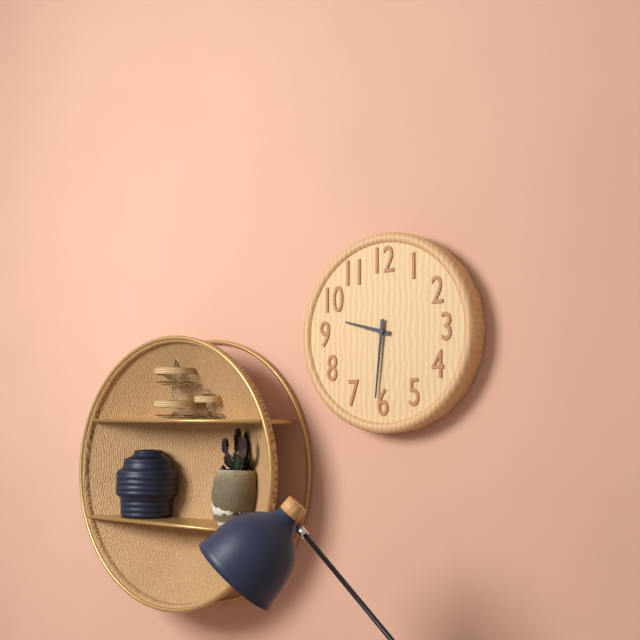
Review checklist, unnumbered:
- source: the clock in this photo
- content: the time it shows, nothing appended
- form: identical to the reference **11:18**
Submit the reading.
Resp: **9:31**
